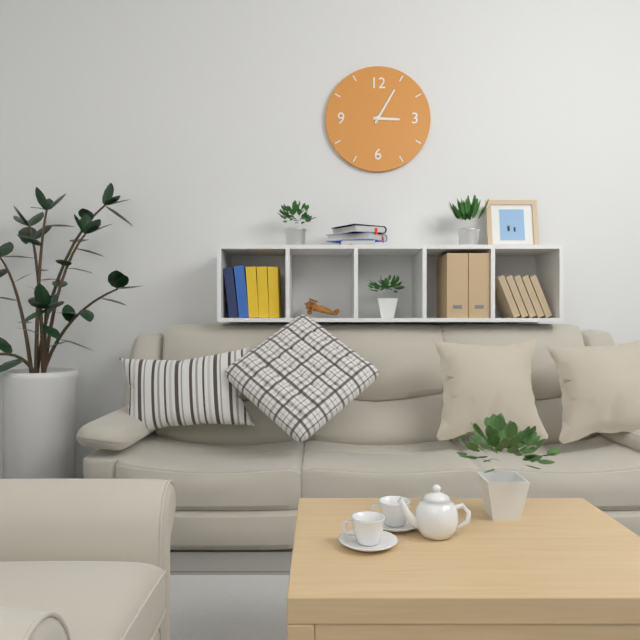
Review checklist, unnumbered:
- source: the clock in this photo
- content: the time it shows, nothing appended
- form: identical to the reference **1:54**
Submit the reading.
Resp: **3:05**
